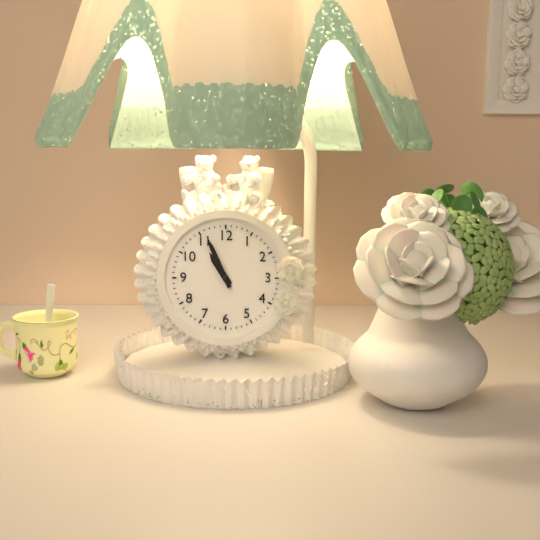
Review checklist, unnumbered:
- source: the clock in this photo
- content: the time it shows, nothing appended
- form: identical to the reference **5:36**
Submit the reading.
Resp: **10:56**
